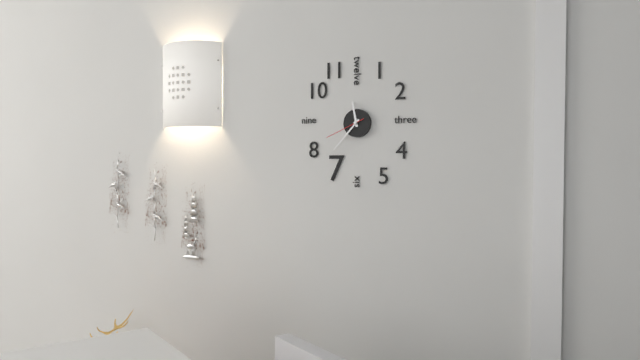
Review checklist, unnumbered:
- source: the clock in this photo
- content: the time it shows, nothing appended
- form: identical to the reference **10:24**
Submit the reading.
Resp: **11:37**
